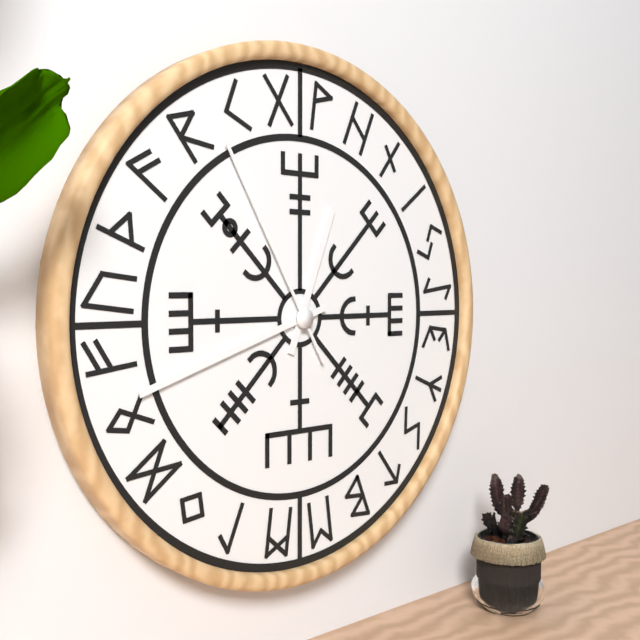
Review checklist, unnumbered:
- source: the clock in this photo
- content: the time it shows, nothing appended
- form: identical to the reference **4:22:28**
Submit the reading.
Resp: **12:42:55**
